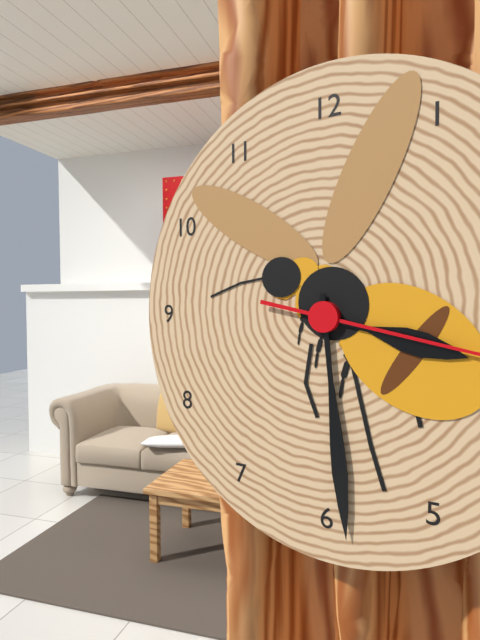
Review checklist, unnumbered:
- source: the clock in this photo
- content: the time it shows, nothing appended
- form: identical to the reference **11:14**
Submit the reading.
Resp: **3:29**
